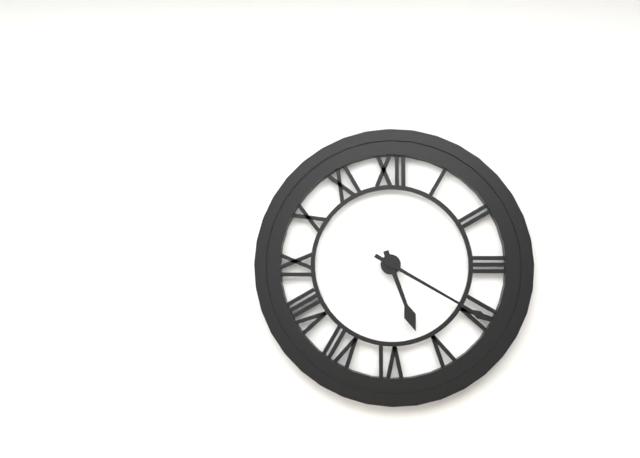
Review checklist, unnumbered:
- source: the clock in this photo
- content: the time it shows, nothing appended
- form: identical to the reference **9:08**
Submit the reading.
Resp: **5:20**
